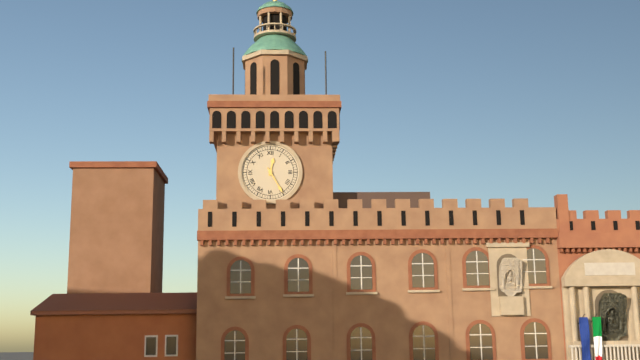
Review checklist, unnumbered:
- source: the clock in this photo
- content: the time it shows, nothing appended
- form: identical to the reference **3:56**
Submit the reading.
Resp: **12:25**
